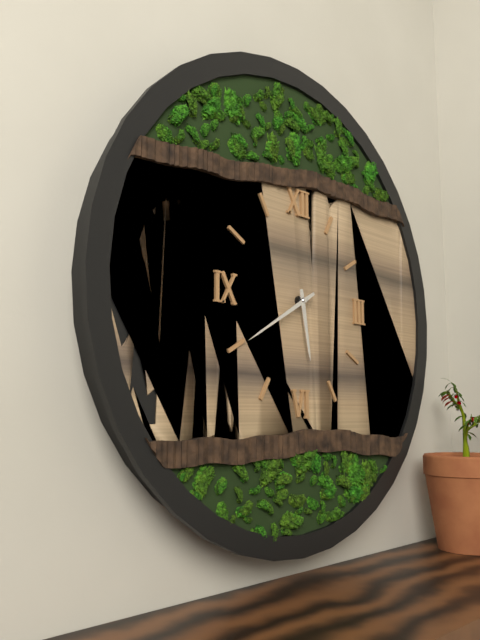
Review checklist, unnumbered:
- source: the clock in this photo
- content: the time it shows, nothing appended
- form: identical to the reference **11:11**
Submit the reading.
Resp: **5:40**
